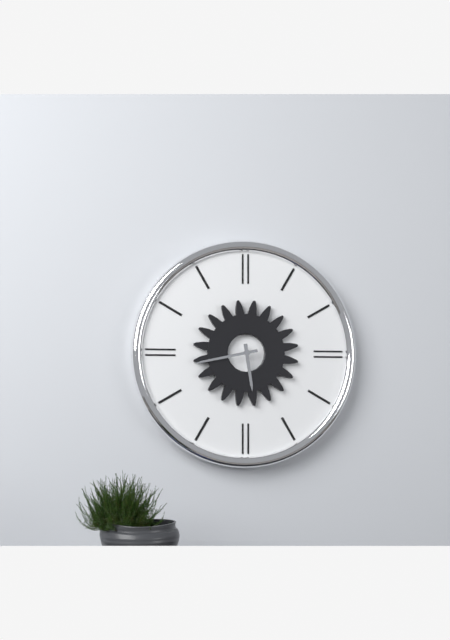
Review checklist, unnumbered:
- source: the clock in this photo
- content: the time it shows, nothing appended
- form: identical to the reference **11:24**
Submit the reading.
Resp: **5:43**
